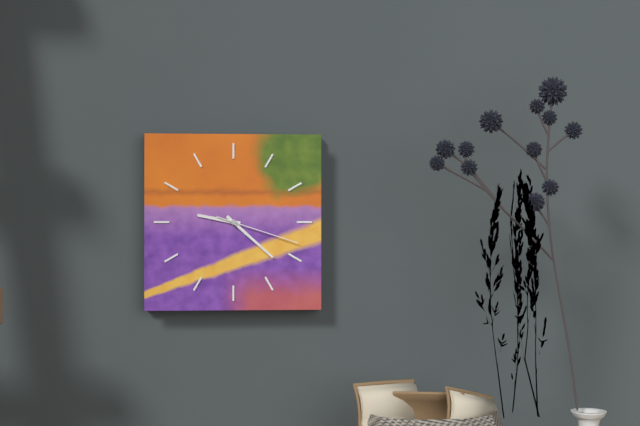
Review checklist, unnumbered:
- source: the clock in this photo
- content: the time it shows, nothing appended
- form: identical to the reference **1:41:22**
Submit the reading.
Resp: **9:22:18**
